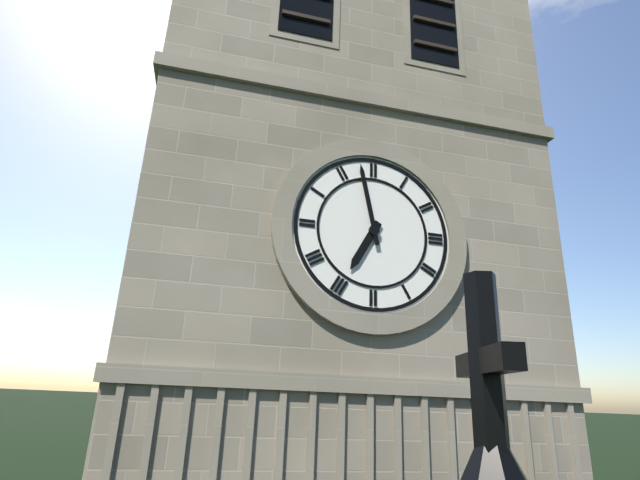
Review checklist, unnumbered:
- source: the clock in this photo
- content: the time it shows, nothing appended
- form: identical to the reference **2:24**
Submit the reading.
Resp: **6:58**
